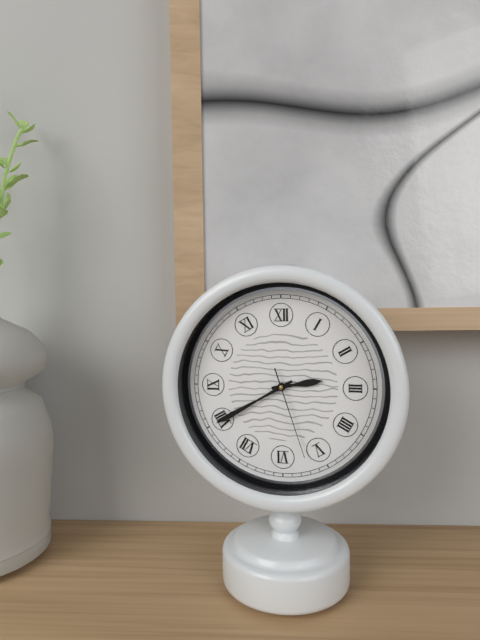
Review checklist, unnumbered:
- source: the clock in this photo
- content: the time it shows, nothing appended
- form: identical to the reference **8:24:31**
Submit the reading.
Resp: **2:40:27**
